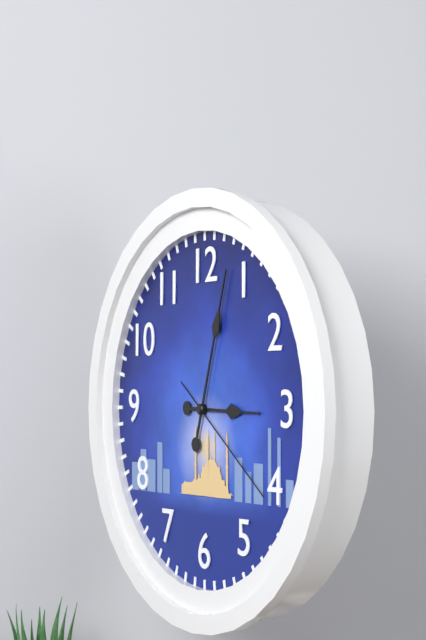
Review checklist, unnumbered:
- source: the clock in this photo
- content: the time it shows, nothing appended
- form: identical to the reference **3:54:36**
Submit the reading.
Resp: **3:03:21**
